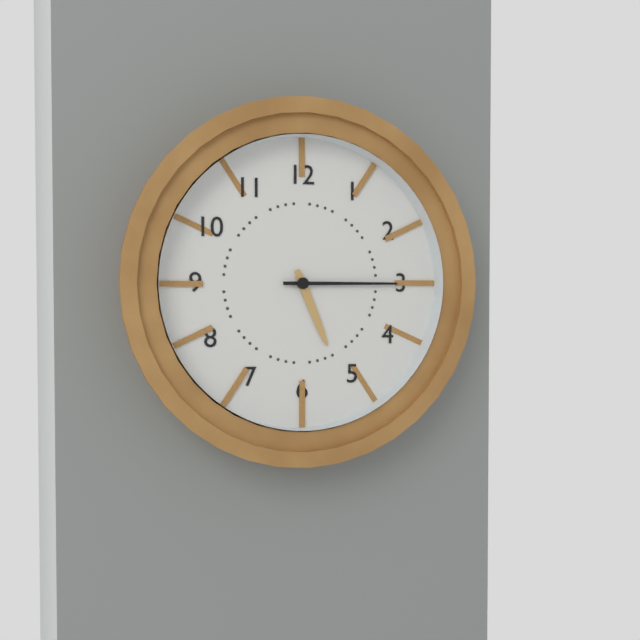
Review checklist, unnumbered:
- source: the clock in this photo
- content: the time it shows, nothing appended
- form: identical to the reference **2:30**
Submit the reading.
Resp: **5:15**
